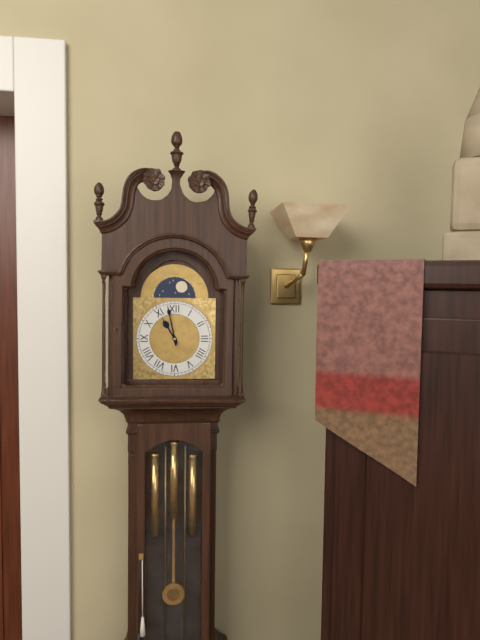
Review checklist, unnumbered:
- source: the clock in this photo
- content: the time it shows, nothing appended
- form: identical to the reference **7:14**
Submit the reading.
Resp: **10:58**
